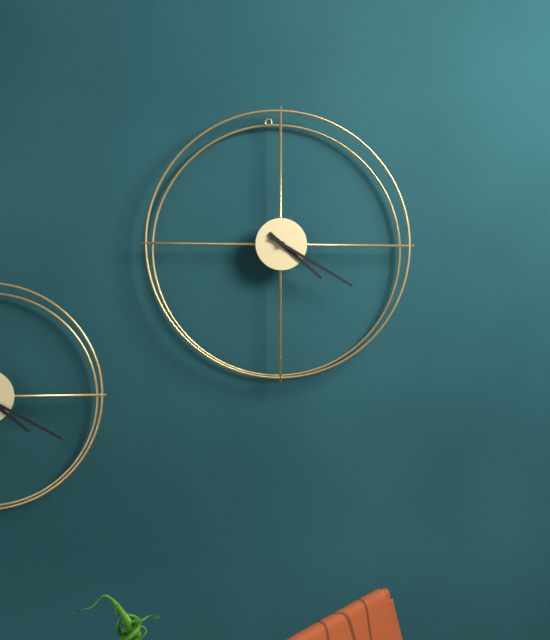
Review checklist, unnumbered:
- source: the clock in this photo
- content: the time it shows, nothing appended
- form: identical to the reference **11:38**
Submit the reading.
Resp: **4:20**
